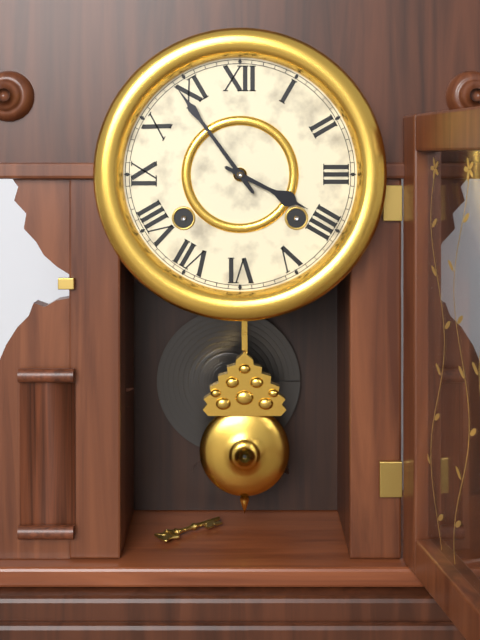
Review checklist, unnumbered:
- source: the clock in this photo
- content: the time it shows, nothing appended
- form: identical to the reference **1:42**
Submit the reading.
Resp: **3:54**
